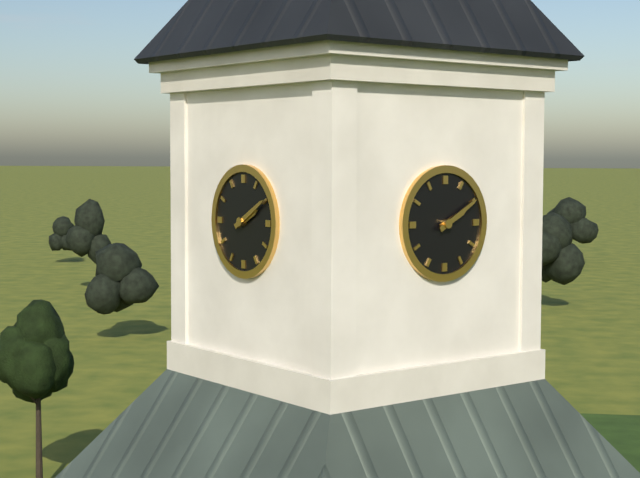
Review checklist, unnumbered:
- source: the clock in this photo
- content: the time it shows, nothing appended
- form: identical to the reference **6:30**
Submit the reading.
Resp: **2:10**
